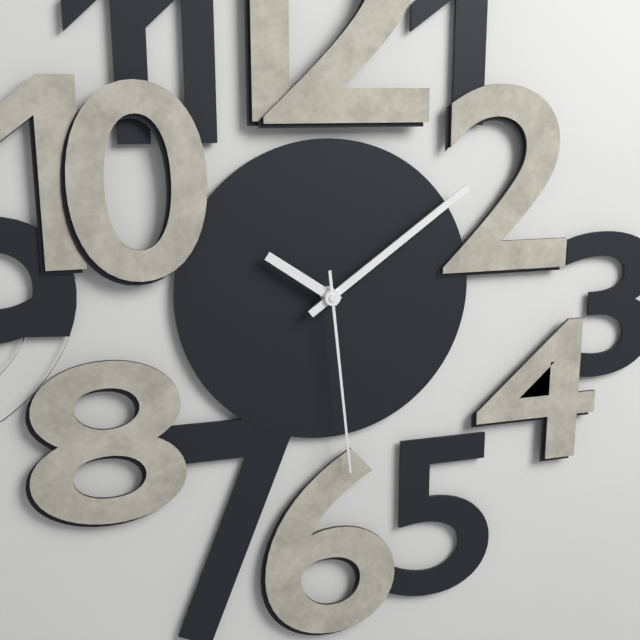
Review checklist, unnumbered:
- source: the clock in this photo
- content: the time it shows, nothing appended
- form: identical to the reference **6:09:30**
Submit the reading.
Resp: **10:09:29**
